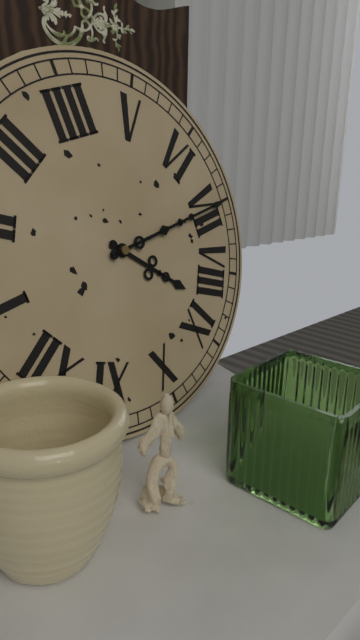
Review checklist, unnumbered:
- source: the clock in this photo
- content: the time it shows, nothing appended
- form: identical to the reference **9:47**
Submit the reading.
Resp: **8:35**
